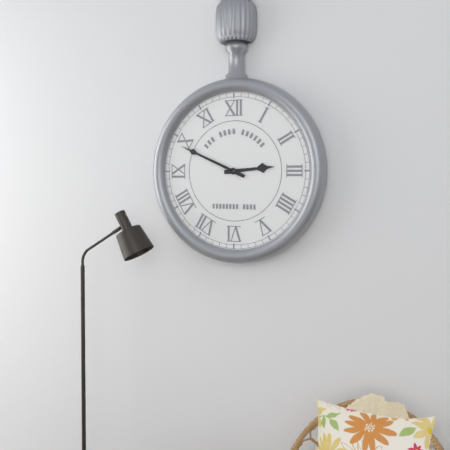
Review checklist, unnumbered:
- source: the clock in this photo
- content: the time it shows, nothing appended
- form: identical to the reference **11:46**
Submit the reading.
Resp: **2:49**
